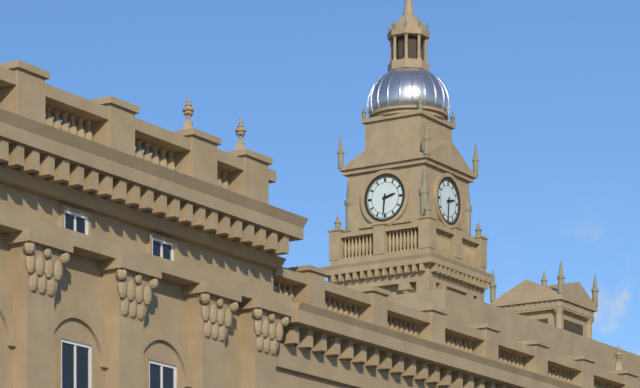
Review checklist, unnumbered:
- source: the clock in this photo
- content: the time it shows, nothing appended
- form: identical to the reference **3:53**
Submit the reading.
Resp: **2:31**
